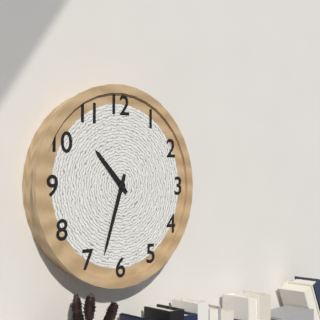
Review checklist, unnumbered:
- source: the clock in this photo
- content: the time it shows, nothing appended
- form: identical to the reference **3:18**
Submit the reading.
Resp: **10:33**
